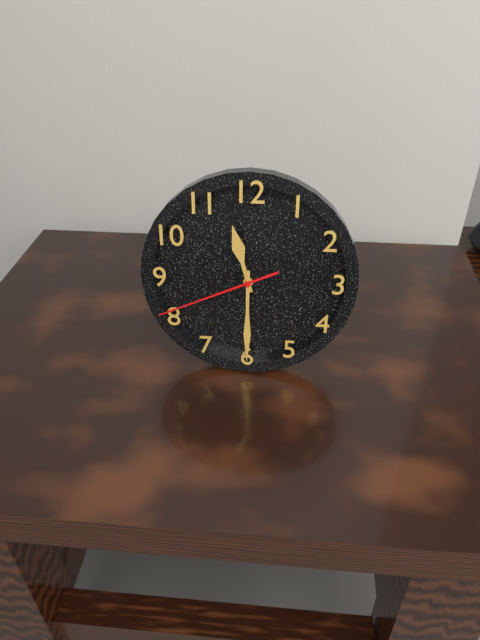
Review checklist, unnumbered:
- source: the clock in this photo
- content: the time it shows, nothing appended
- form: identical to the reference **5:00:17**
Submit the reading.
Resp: **11:30:41**
